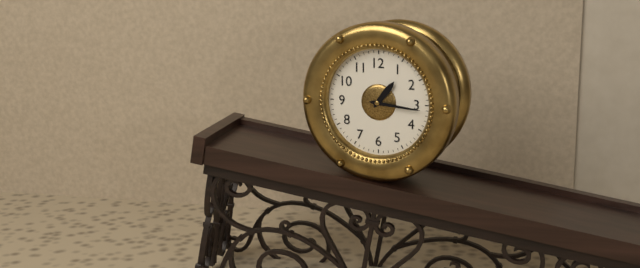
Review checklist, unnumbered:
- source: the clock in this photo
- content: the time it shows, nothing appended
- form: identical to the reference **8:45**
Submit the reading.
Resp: **1:16**
